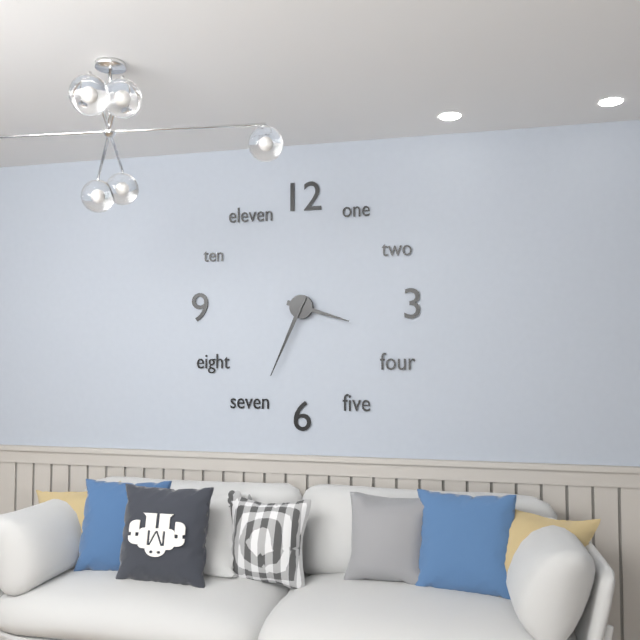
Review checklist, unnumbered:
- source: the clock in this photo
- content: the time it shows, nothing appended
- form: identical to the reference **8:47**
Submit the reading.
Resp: **3:34**
